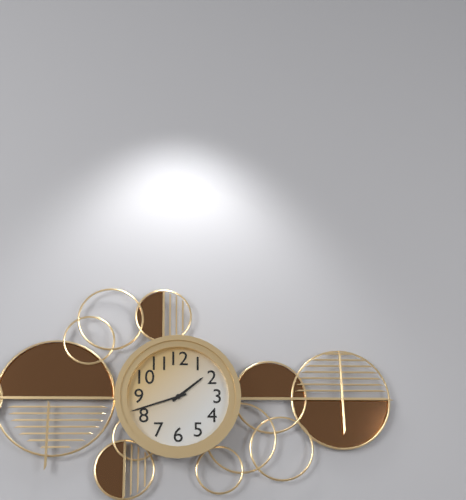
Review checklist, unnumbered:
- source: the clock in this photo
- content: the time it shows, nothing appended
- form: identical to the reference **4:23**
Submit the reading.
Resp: **1:42**
